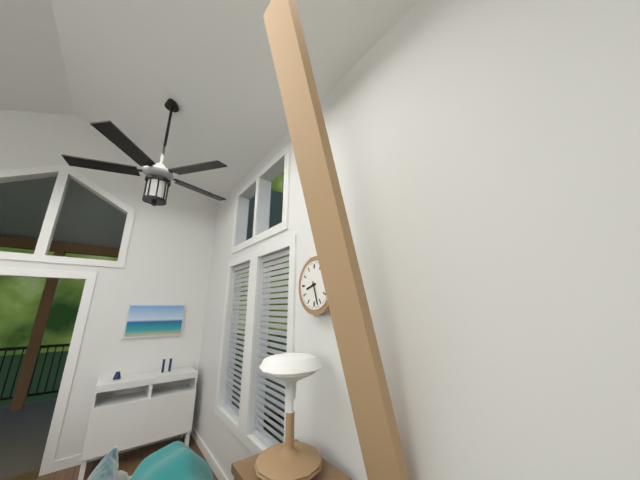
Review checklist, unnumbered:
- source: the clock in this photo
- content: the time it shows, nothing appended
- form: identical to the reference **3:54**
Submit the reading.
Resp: **8:27**
